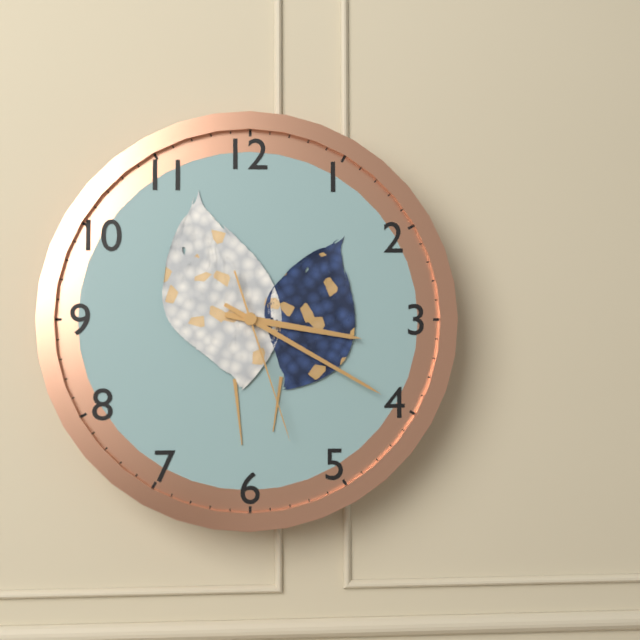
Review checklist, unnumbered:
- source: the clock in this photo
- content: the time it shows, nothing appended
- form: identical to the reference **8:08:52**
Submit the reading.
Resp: **3:20:27**
